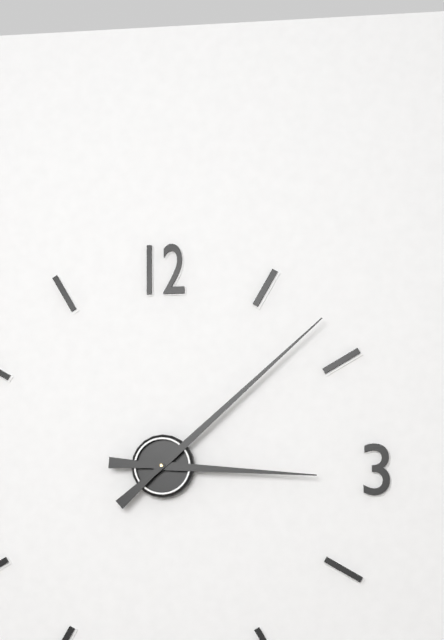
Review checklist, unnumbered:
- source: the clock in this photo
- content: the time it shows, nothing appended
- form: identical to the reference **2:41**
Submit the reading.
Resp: **3:08**
